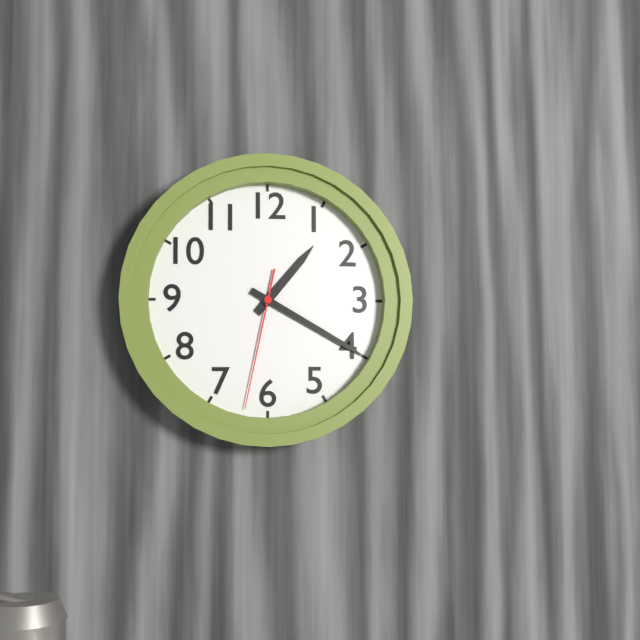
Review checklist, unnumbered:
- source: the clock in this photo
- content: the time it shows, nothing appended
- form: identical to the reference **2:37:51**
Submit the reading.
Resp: **1:20:32**
